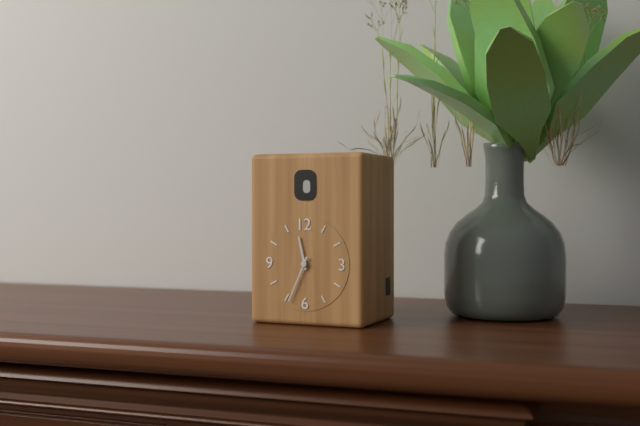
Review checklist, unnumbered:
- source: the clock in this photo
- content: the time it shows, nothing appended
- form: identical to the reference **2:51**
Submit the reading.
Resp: **11:34**
